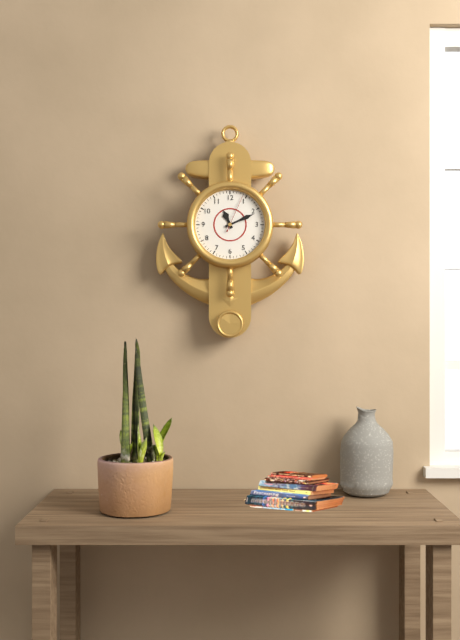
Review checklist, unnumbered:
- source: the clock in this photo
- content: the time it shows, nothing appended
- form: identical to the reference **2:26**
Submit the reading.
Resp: **11:11**
